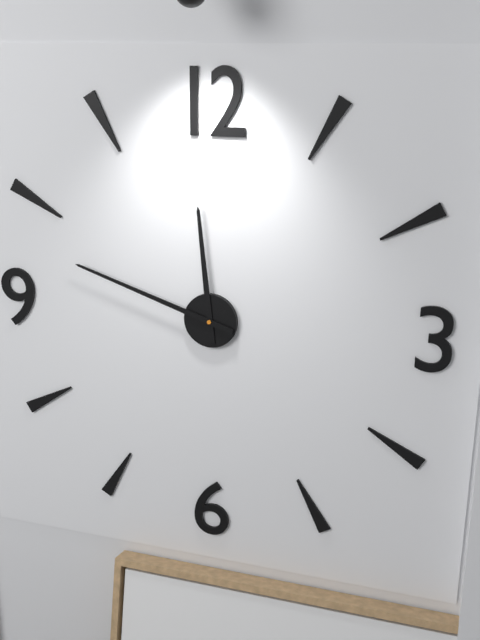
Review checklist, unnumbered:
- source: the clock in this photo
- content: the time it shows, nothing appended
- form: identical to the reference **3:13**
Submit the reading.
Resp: **11:48**
